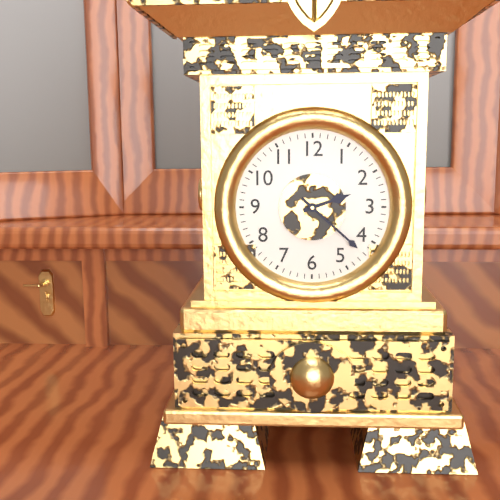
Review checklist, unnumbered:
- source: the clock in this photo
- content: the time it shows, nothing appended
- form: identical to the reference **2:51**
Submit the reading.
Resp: **2:22**
